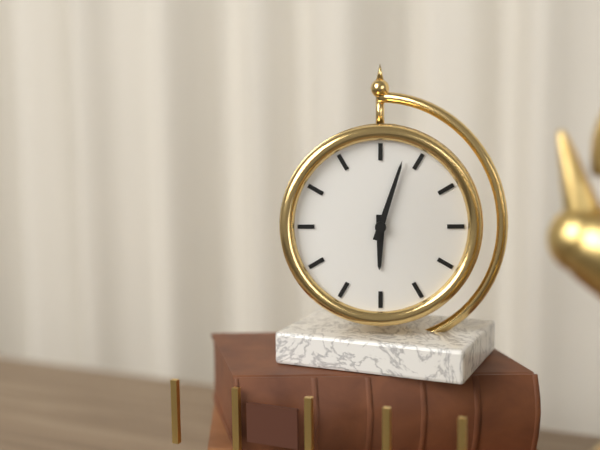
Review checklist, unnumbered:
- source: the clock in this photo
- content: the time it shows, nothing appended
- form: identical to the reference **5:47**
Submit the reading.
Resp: **6:03**
